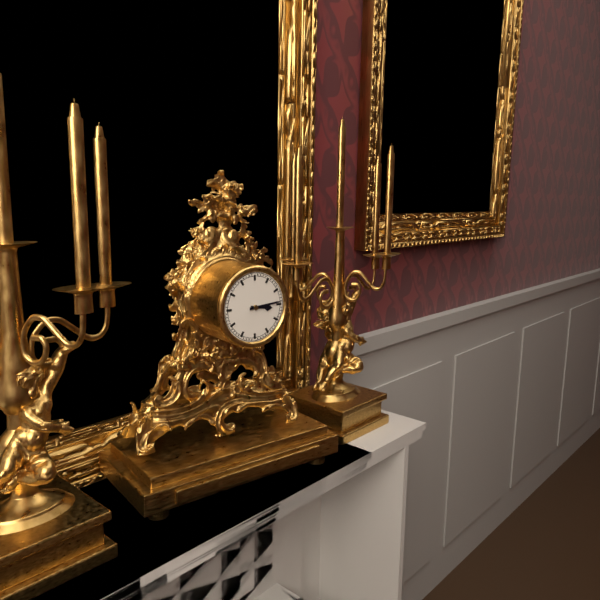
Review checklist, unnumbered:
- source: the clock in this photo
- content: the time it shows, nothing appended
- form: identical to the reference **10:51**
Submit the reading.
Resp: **3:14**
